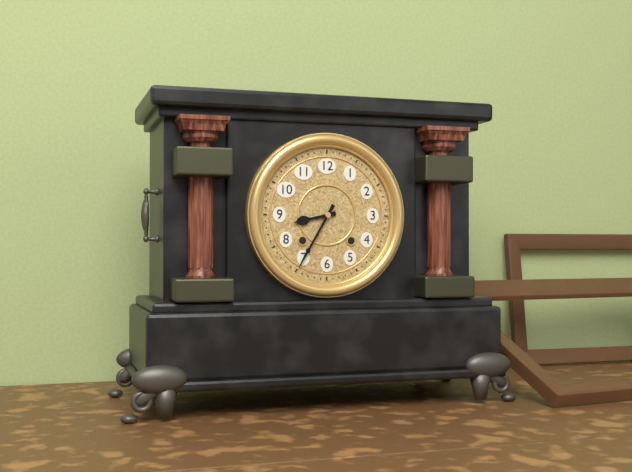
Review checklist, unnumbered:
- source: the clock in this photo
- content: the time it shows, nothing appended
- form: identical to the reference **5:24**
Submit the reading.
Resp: **8:35**
